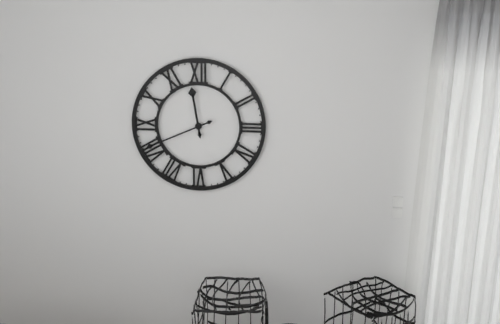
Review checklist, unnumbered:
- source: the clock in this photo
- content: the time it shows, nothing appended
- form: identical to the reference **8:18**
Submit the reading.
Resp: **11:41**
